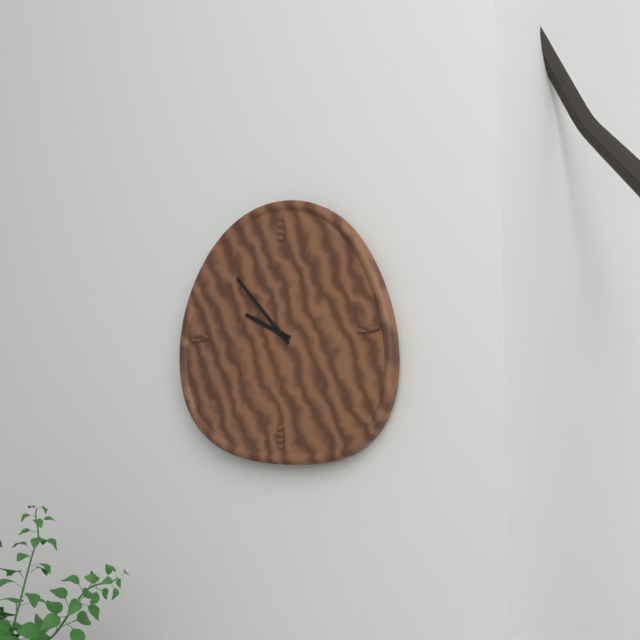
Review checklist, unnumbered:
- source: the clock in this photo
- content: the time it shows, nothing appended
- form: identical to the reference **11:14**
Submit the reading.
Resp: **9:53**
